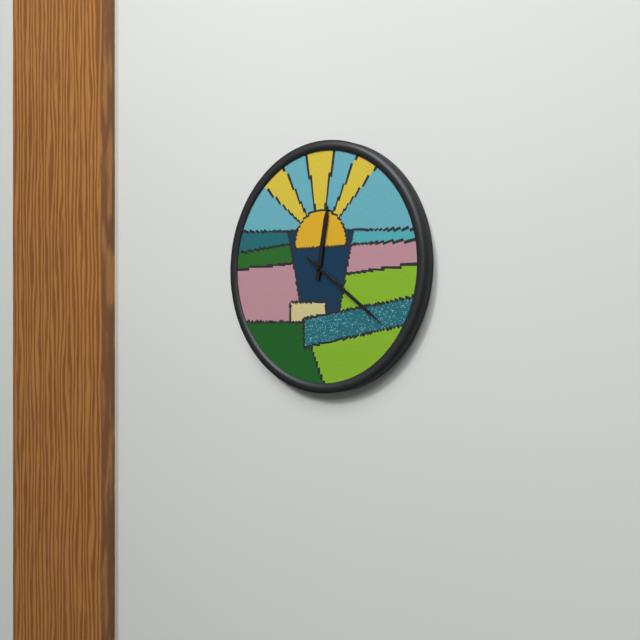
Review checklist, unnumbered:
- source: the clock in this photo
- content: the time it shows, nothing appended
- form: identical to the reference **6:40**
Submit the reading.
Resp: **12:21**
